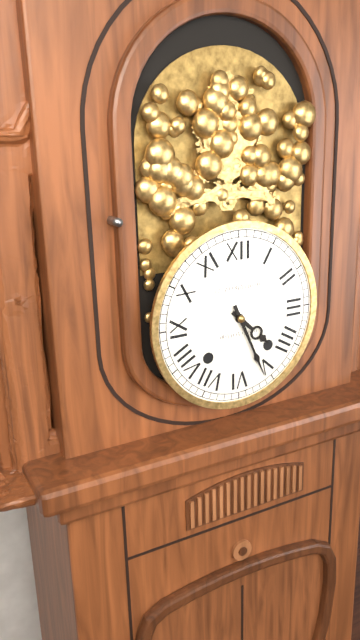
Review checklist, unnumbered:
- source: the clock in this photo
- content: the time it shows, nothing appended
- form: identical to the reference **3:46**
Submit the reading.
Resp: **4:26**
